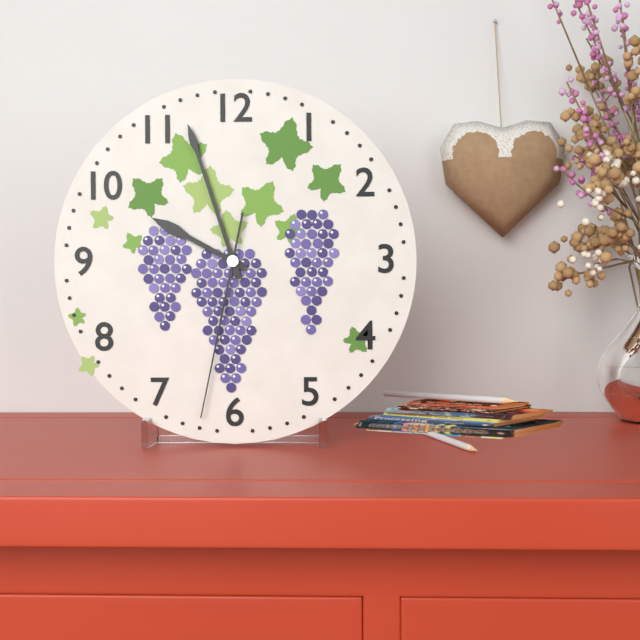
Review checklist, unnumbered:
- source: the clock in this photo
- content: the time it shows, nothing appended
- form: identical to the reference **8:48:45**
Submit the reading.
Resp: **9:57:32**
